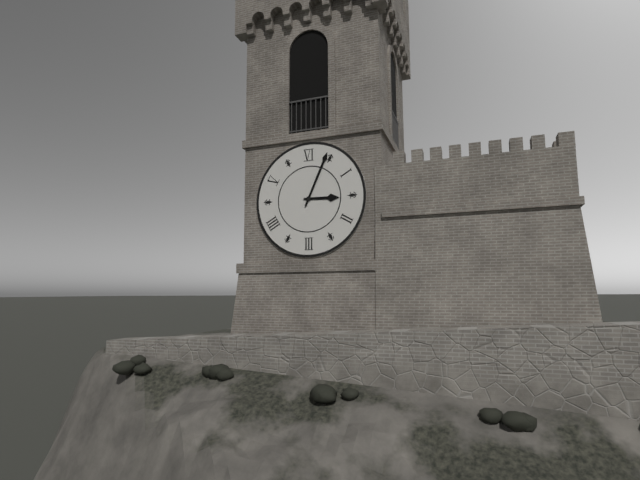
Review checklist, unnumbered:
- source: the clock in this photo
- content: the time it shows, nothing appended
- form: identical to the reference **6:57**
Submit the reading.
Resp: **3:04**
